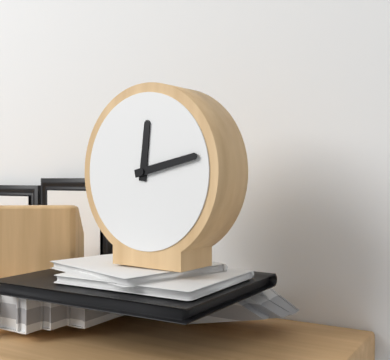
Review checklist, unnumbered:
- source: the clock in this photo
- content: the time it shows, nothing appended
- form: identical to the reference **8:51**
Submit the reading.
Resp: **12:13**
